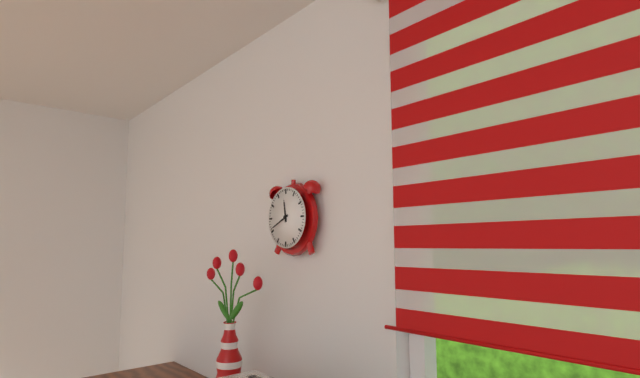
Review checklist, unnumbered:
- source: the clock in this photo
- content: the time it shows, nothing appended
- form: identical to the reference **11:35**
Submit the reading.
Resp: **11:41**
